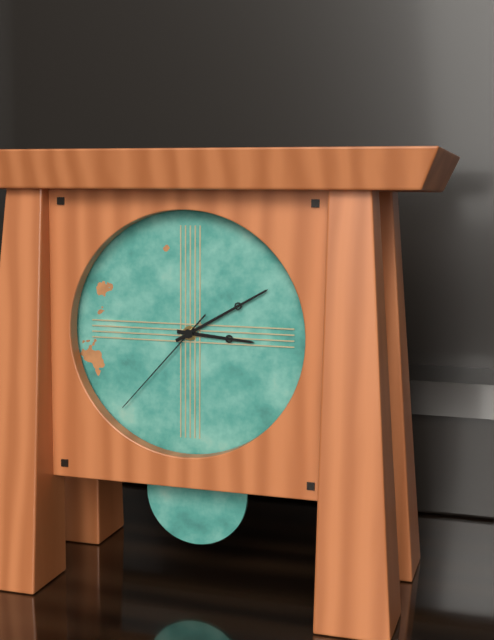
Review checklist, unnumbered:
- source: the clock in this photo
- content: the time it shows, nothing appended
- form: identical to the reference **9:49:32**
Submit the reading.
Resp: **3:10:37**
